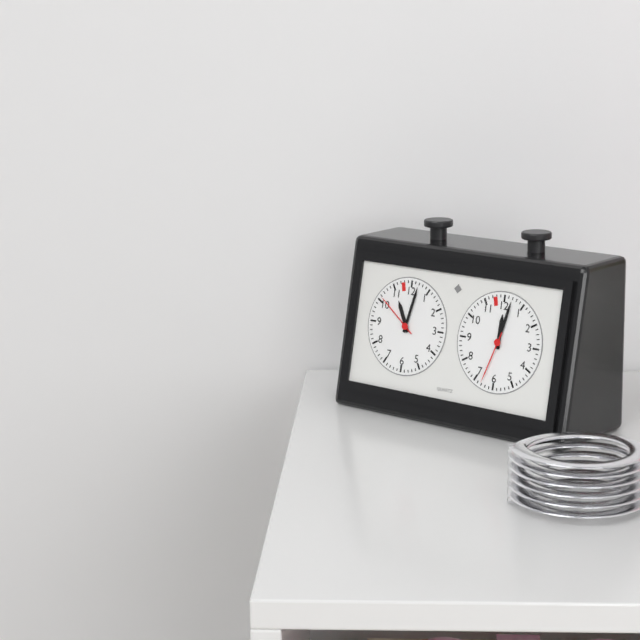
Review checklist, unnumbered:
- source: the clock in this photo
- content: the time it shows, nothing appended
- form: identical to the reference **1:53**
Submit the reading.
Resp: **11:02**
